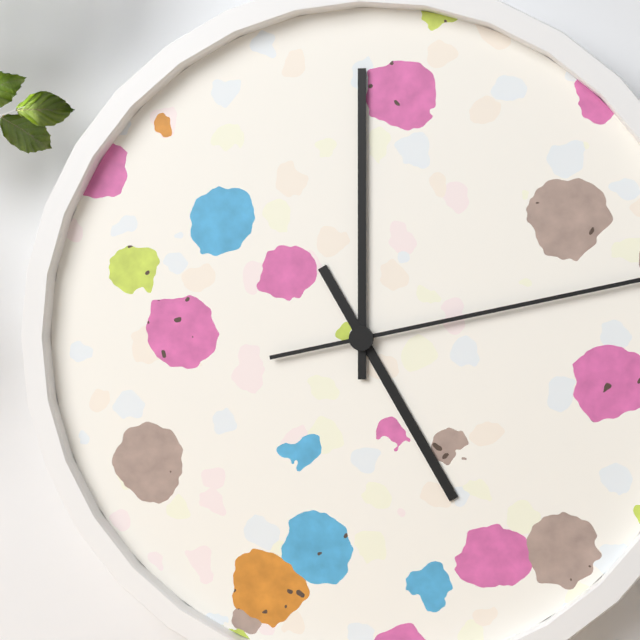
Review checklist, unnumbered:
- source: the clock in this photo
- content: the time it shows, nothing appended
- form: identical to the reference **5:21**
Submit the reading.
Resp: **5:00**
